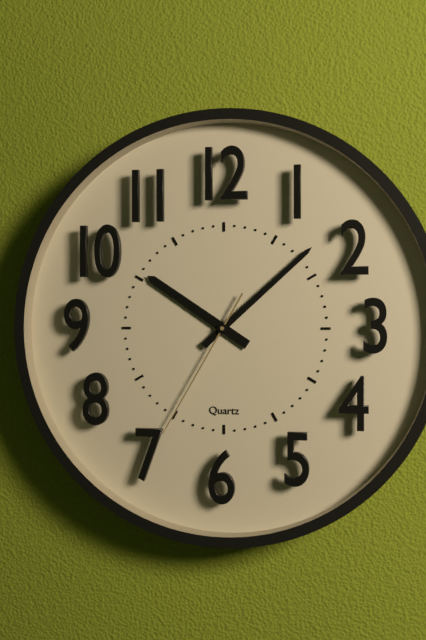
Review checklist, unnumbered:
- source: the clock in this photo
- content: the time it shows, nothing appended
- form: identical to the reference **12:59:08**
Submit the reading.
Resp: **10:08:35**
